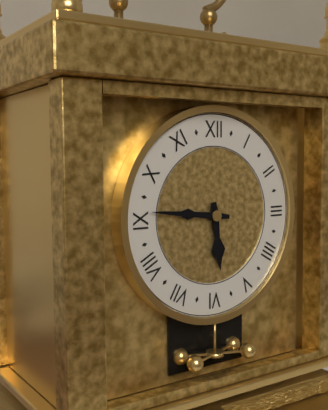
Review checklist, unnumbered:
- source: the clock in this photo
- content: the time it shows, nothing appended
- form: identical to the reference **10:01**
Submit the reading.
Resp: **5:46**
